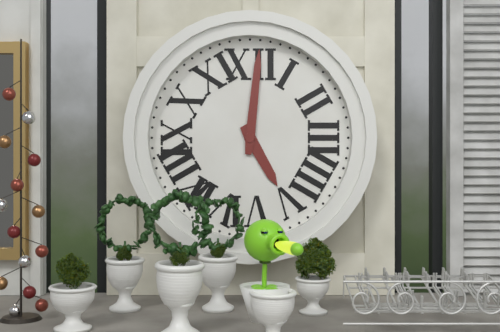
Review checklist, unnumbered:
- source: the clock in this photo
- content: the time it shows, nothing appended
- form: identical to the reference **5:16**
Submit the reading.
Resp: **5:01**
